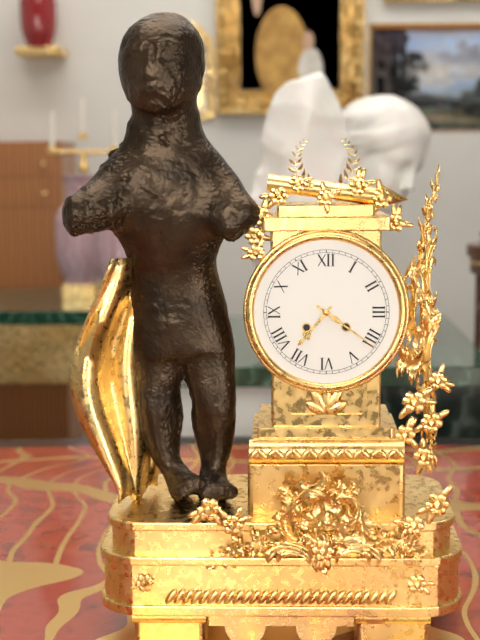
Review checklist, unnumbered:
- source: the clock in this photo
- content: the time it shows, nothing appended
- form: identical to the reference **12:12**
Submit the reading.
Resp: **7:21**
